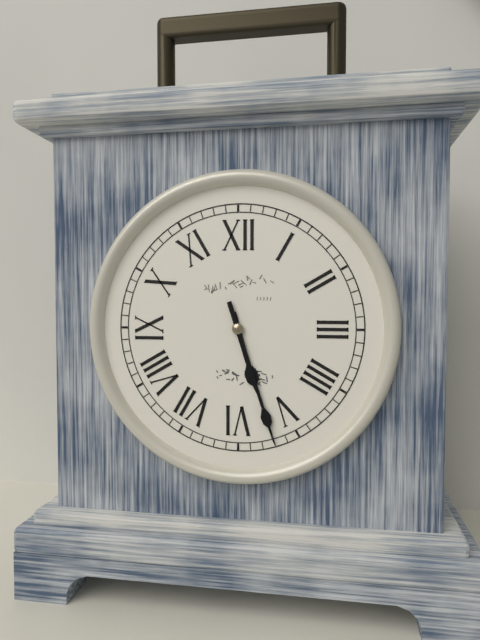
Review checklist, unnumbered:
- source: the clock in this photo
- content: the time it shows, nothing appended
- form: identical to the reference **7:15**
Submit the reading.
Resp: **5:27**
